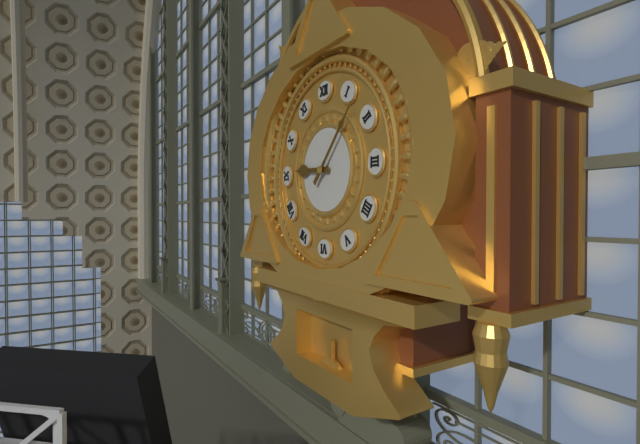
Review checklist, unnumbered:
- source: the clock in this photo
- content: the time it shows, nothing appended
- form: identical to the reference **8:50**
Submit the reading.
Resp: **9:07**
